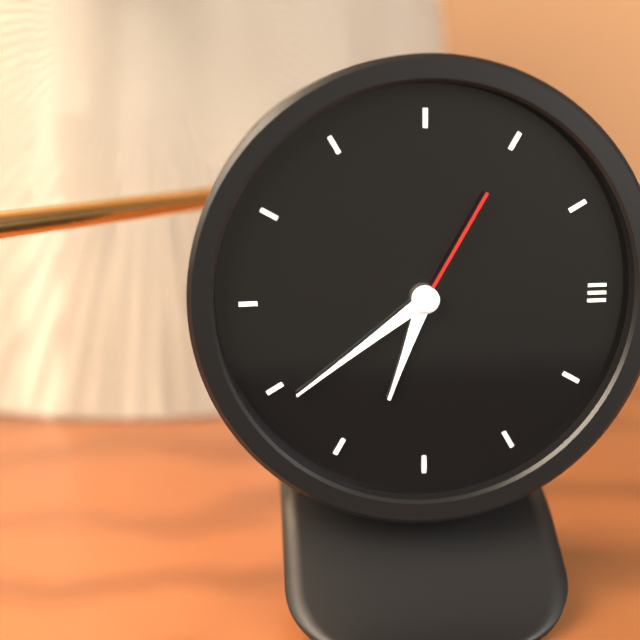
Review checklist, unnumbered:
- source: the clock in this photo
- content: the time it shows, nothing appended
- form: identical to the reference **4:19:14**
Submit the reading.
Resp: **6:39:05**
